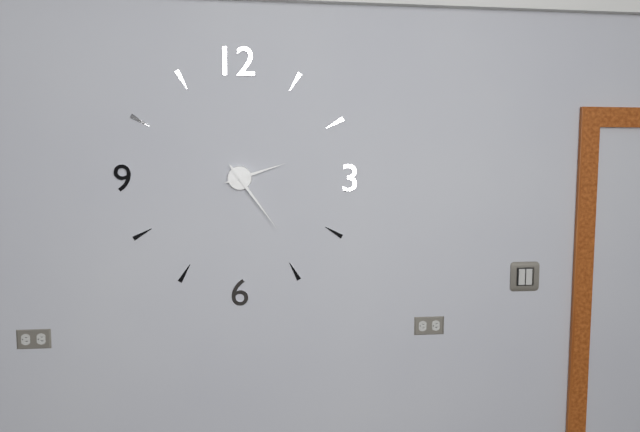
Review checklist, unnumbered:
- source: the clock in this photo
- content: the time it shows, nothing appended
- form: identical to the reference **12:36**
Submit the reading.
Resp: **2:24**
